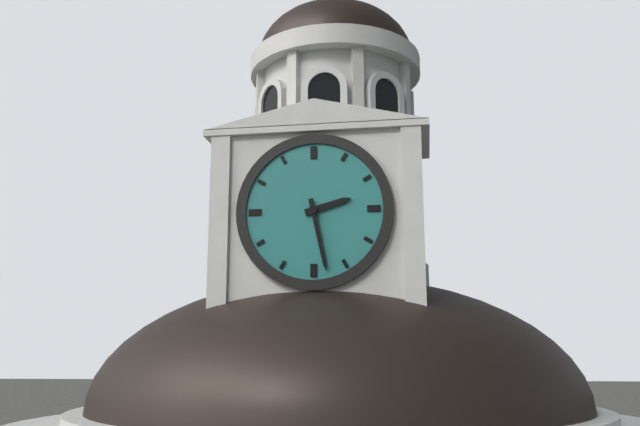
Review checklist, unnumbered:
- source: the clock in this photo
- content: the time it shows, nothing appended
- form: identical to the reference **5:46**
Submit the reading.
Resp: **2:28**
